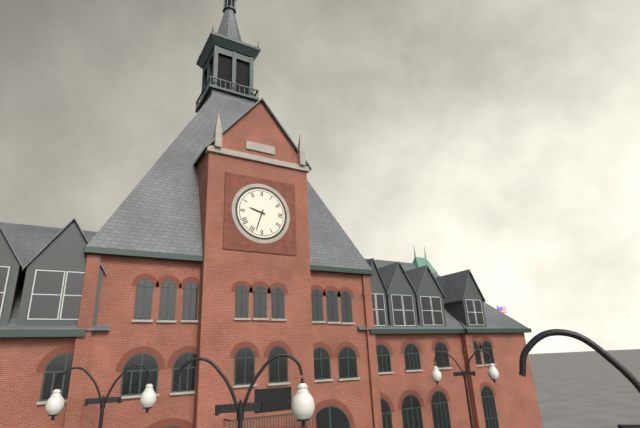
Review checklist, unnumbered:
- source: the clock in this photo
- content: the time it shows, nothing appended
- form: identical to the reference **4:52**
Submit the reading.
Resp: **9:33**
